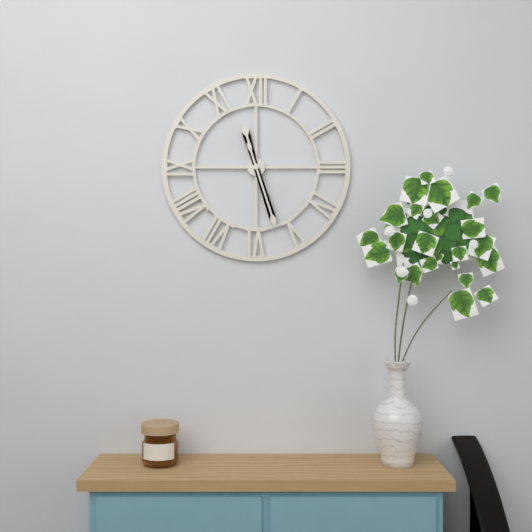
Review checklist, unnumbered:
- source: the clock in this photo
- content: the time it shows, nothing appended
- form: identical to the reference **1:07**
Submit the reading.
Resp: **11:27**
